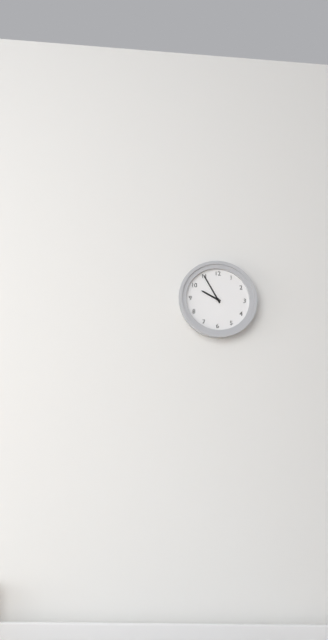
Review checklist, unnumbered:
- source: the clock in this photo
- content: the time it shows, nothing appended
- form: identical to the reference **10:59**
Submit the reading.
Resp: **9:55**
